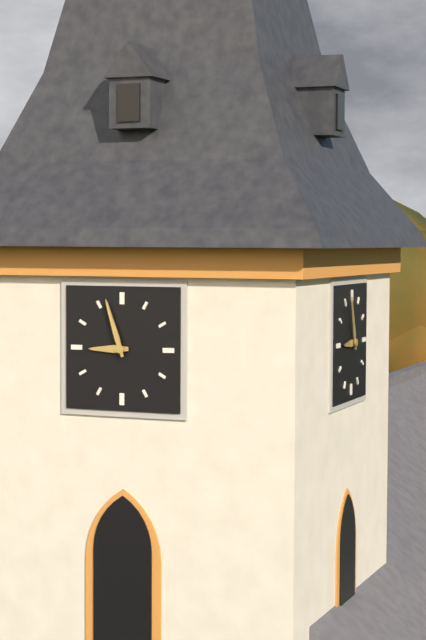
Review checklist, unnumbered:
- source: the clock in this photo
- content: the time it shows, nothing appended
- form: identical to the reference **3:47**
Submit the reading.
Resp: **8:57**
